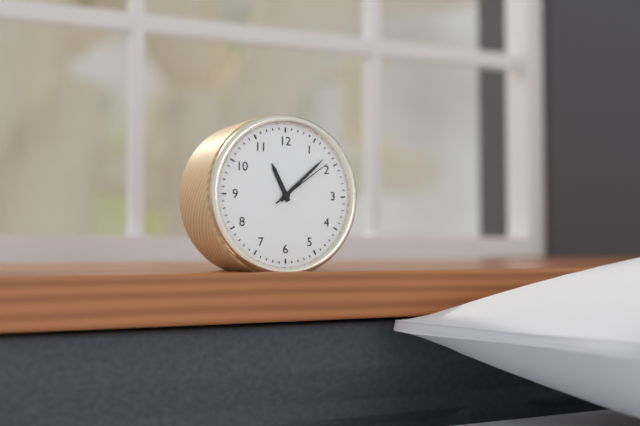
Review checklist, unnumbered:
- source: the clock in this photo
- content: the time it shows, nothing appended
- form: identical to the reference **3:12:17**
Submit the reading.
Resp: **11:08:09**
